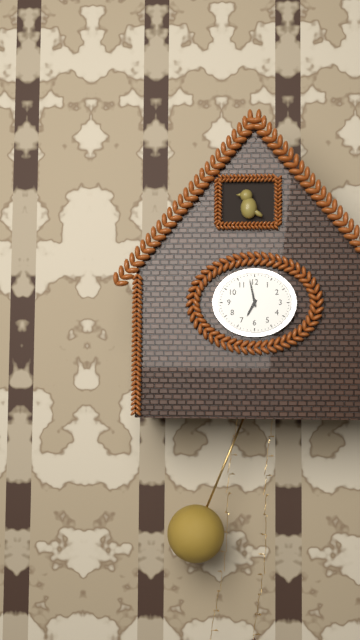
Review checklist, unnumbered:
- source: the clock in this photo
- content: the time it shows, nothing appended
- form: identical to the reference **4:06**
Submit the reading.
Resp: **6:58**
